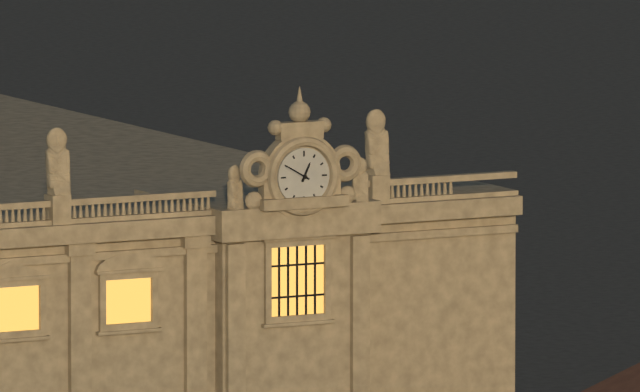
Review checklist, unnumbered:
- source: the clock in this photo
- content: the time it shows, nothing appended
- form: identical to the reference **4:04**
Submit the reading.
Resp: **12:50**
